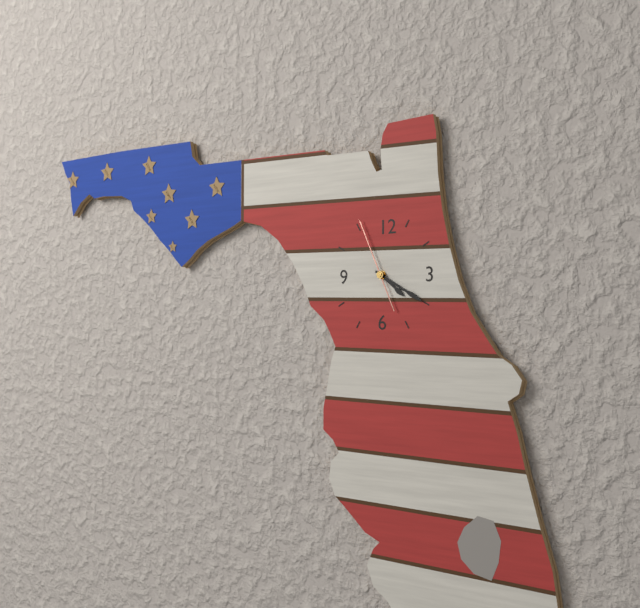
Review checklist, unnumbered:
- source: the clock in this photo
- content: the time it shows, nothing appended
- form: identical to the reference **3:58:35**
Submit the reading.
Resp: **4:20:56**
